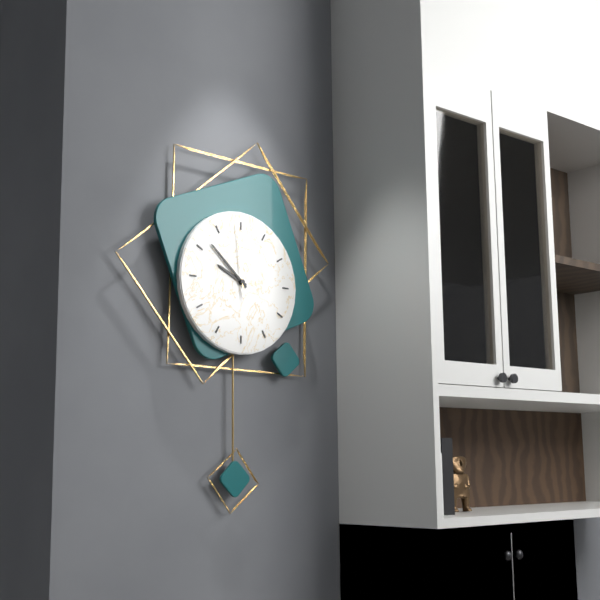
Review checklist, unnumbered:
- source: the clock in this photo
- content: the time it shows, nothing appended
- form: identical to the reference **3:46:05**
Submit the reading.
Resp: **9:52:59**
